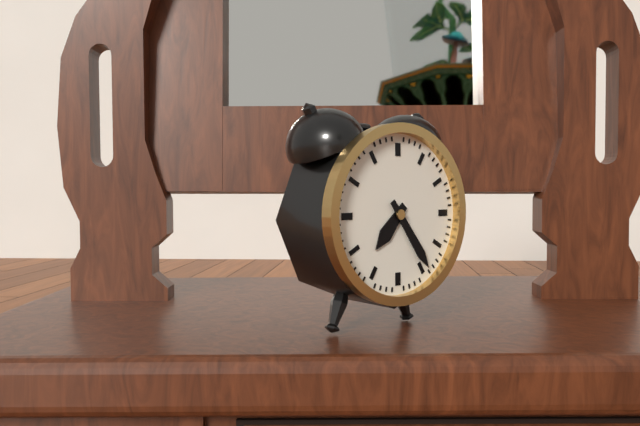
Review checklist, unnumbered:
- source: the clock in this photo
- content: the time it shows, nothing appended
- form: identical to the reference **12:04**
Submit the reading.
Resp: **7:24**
